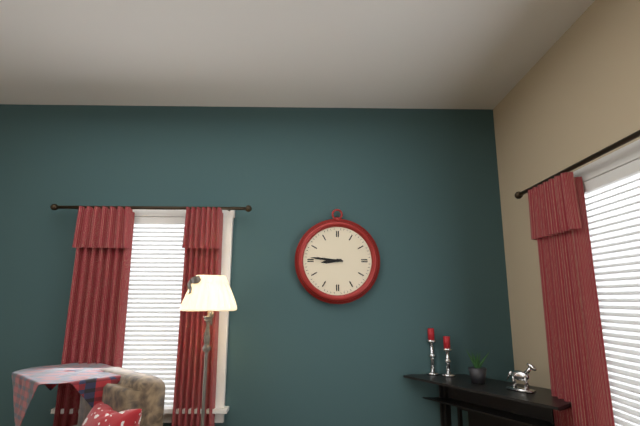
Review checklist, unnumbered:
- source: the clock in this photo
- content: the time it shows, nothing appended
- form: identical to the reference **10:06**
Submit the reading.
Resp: **8:46**
